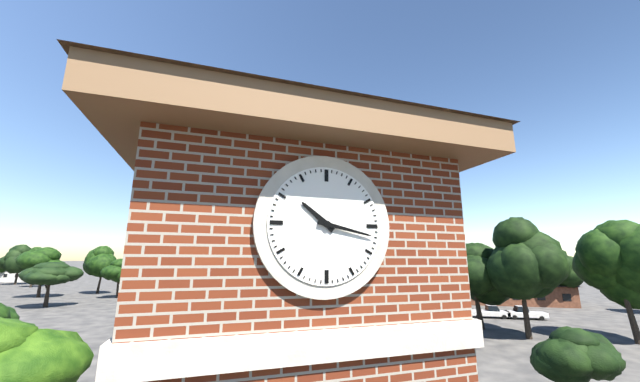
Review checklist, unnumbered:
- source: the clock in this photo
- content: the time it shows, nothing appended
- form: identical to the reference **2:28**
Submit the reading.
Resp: **10:17**
